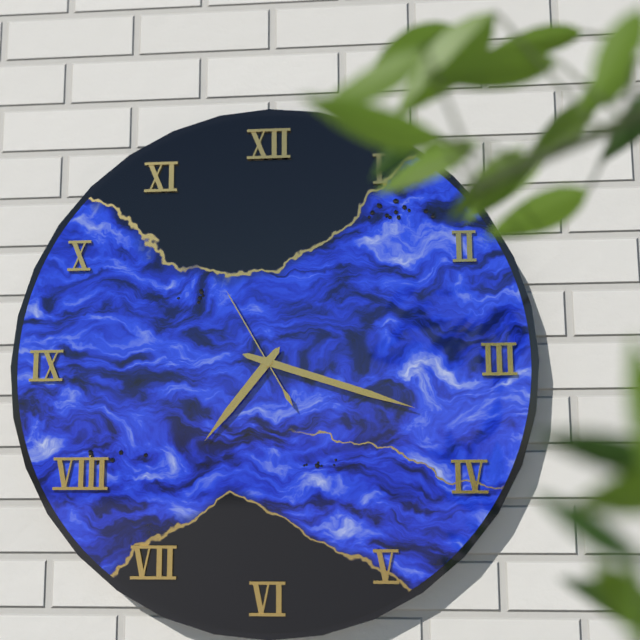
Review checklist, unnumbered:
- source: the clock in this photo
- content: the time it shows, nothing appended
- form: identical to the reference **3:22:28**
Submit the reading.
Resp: **7:18:55**
